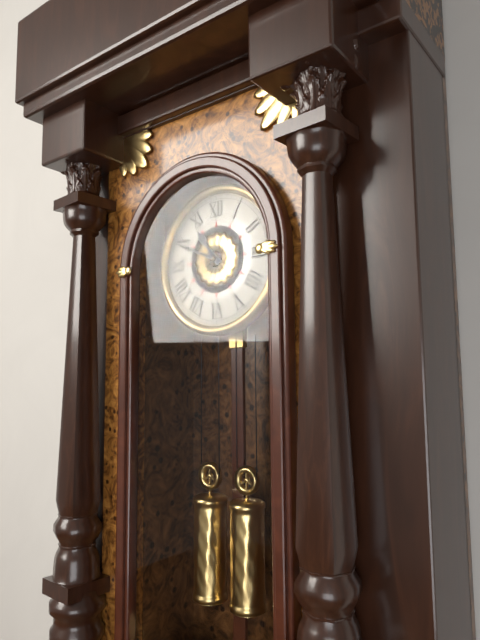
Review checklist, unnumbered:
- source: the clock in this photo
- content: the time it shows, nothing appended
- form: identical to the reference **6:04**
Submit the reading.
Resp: **10:49**
